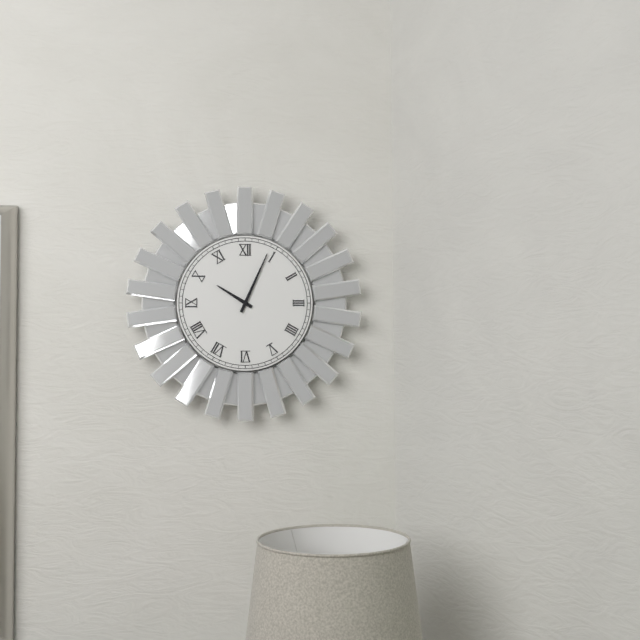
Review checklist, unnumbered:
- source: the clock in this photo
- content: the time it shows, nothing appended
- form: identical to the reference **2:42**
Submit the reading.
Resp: **10:04**
